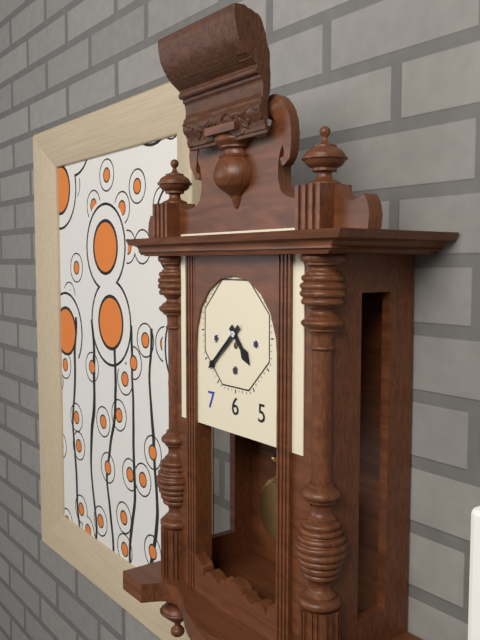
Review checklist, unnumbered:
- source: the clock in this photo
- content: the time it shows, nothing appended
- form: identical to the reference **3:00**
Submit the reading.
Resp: **4:38**
